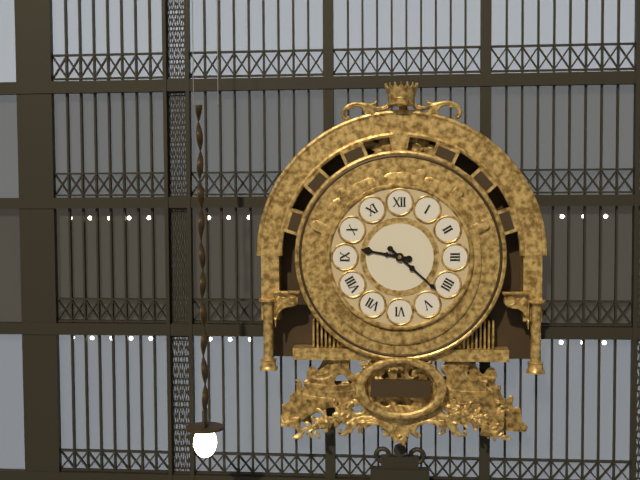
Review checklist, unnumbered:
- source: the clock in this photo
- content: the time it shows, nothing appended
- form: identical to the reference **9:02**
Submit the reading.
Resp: **9:22**
